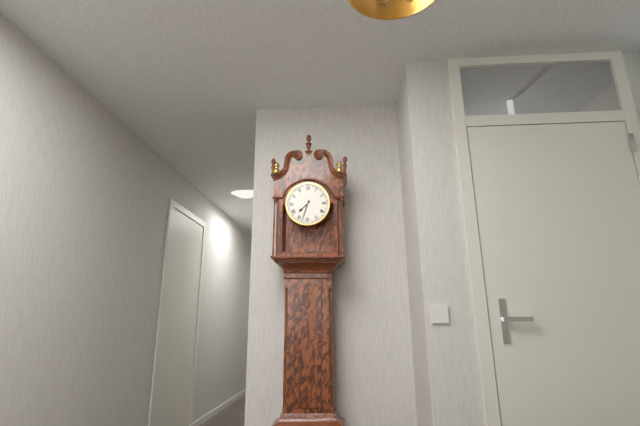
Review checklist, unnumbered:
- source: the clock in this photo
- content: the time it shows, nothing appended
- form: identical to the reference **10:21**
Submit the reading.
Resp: **7:33**
